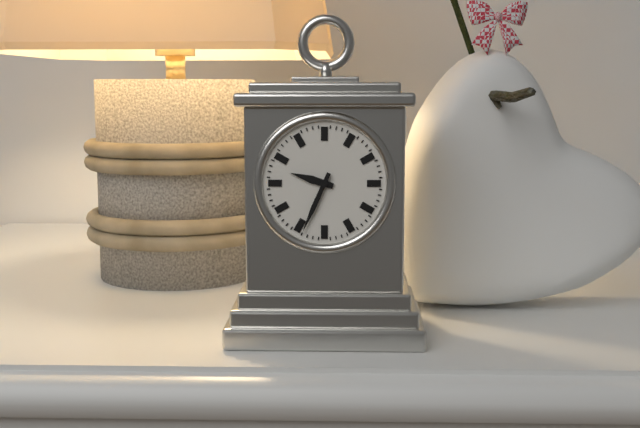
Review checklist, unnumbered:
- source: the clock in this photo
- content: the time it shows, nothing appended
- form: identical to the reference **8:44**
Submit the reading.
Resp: **9:34**
